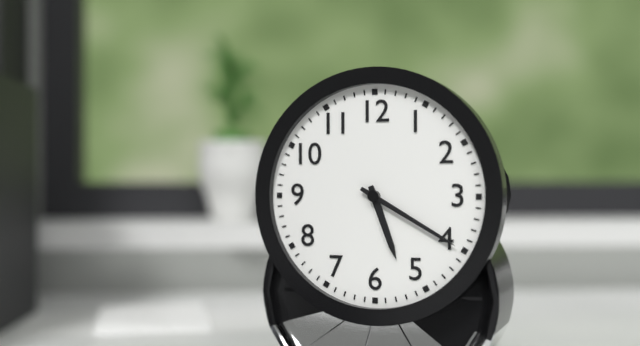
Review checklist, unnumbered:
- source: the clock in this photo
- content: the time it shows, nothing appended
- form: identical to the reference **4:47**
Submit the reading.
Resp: **5:20**
